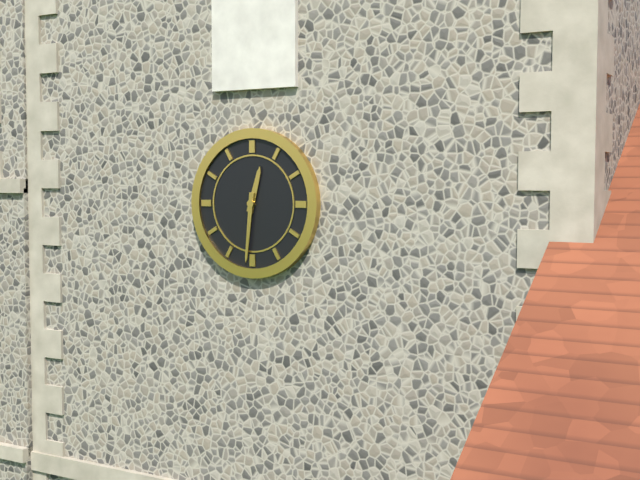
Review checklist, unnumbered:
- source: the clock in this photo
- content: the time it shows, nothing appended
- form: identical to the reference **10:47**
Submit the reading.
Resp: **12:31**
